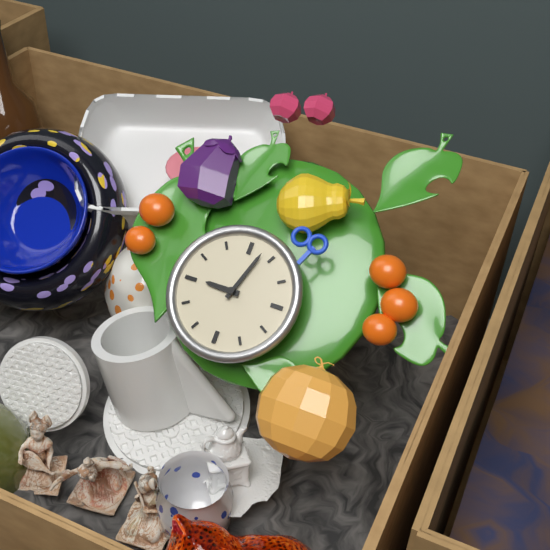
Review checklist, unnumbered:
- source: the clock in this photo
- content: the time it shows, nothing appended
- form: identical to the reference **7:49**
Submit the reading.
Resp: **9:03**
